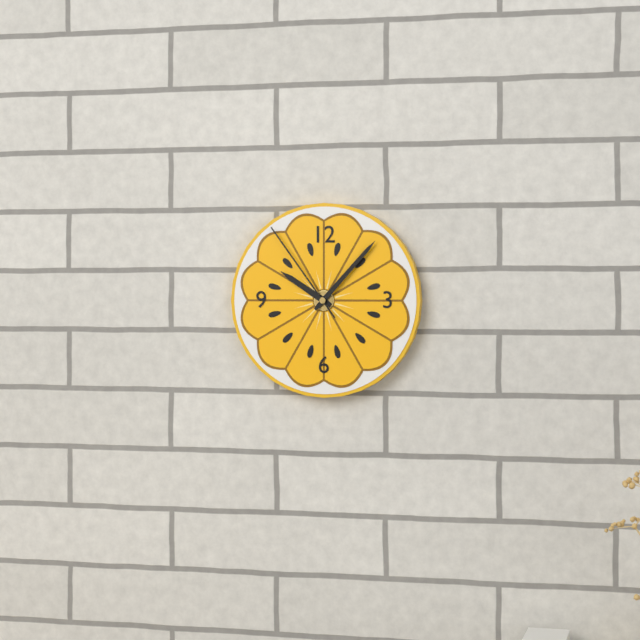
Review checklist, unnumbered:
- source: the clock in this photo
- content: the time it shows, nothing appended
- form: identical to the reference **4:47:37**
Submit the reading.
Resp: **10:07:54**
